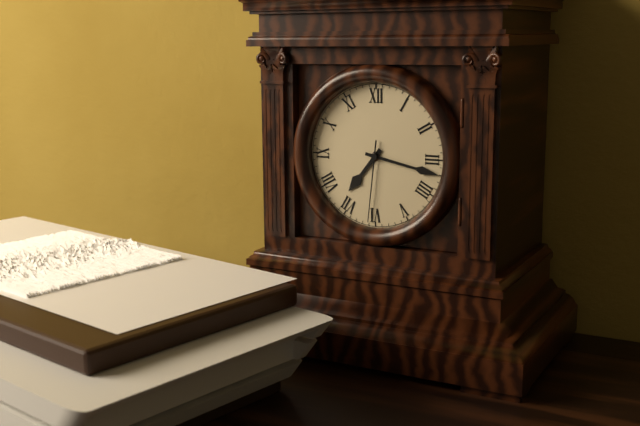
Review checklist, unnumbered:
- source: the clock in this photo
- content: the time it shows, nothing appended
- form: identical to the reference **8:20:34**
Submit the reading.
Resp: **7:17:31**
